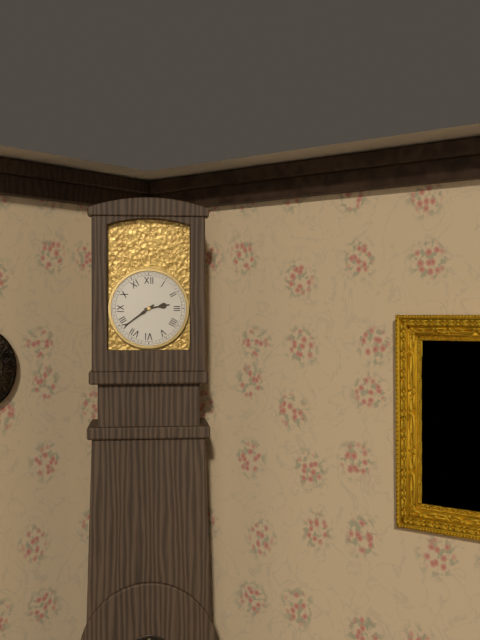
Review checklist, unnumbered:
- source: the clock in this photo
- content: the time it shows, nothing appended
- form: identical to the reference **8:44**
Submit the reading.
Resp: **2:39**
